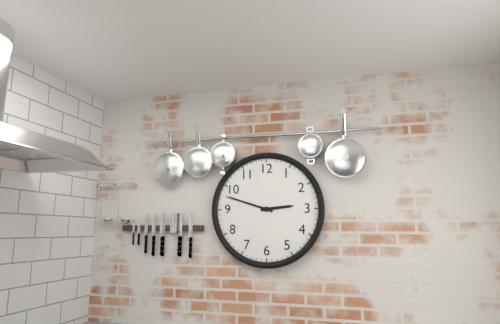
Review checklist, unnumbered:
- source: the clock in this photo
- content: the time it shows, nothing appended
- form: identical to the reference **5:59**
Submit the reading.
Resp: **2:48**
